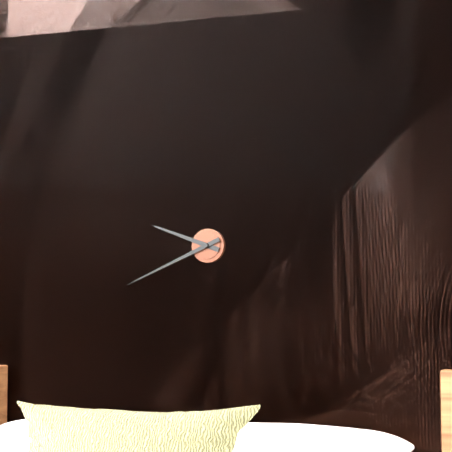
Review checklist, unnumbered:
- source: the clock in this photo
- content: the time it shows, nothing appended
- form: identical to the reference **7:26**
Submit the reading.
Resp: **9:41**
